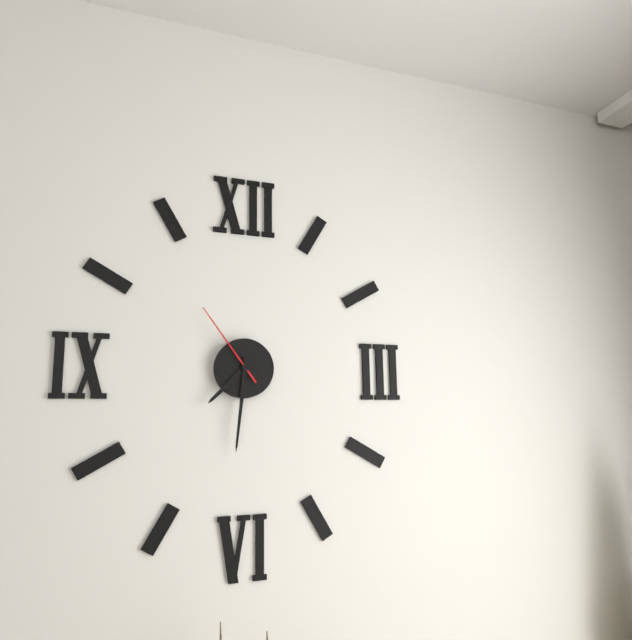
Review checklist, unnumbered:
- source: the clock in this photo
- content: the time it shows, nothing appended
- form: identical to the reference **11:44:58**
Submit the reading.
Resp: **7:31:54**
